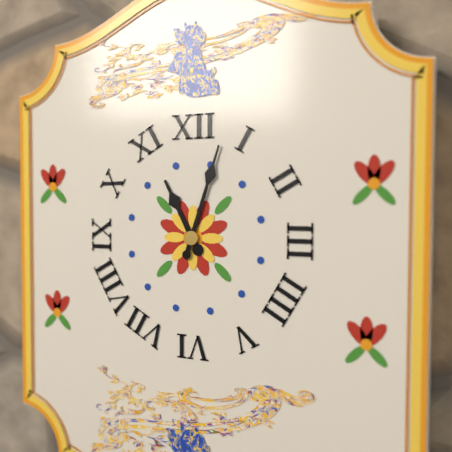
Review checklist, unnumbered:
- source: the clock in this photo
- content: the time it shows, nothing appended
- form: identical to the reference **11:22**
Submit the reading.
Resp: **11:03**
